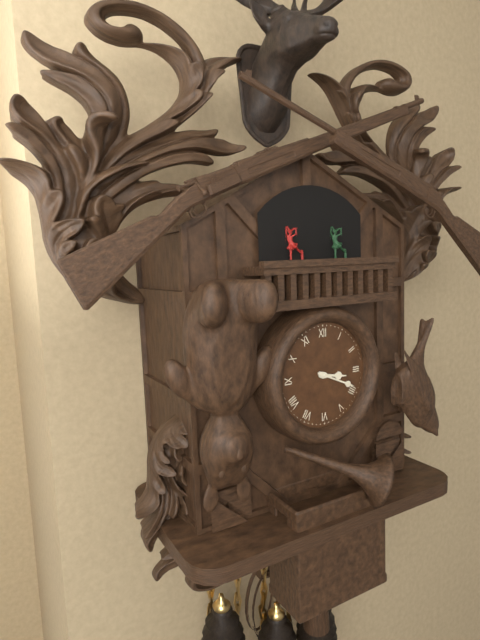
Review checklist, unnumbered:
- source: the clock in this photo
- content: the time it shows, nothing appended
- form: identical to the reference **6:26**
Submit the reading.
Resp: **3:19**
